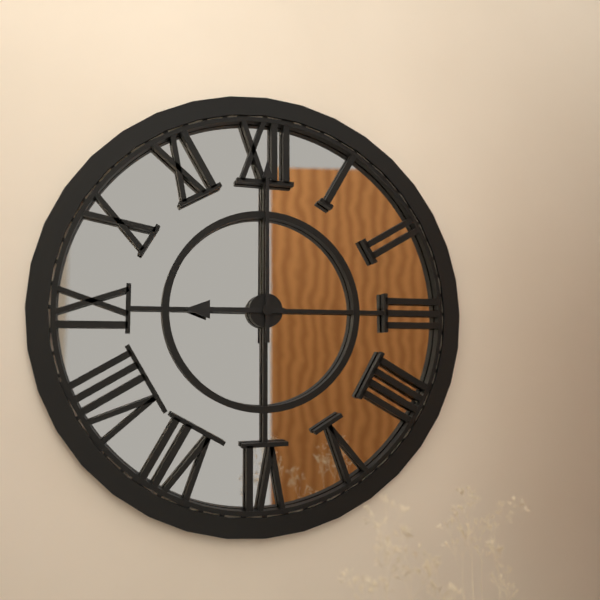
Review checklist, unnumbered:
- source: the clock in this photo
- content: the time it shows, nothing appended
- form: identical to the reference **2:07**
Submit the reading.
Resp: **9:00**
